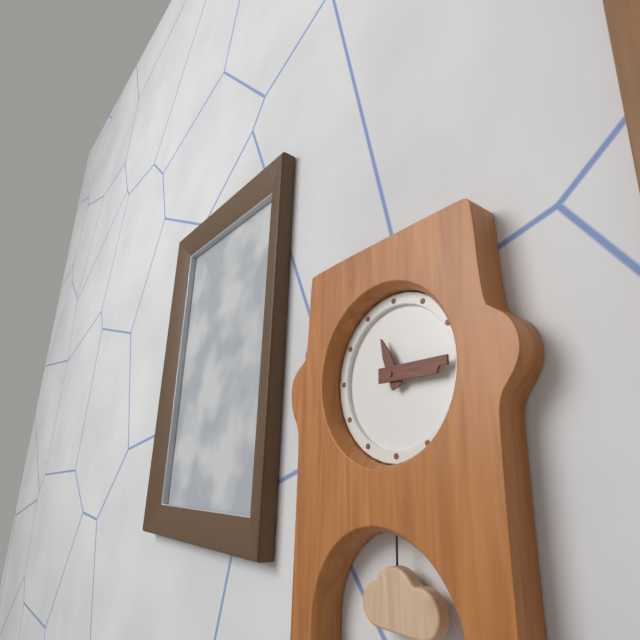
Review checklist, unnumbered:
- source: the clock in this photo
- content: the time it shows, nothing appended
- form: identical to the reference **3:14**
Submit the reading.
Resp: **11:15**
